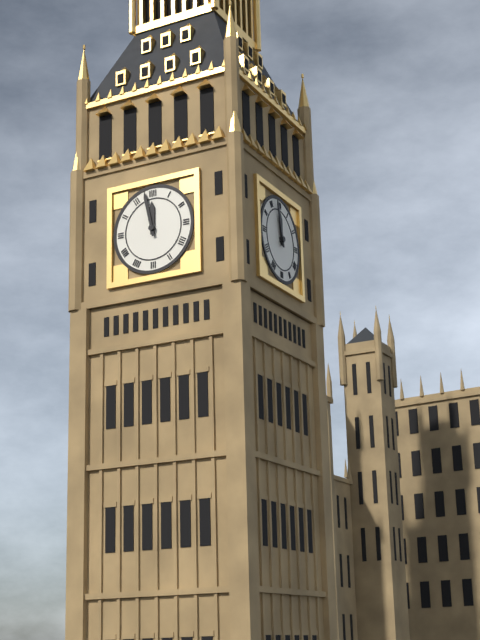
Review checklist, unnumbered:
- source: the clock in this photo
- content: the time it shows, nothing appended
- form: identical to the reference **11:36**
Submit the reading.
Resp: **11:58**
